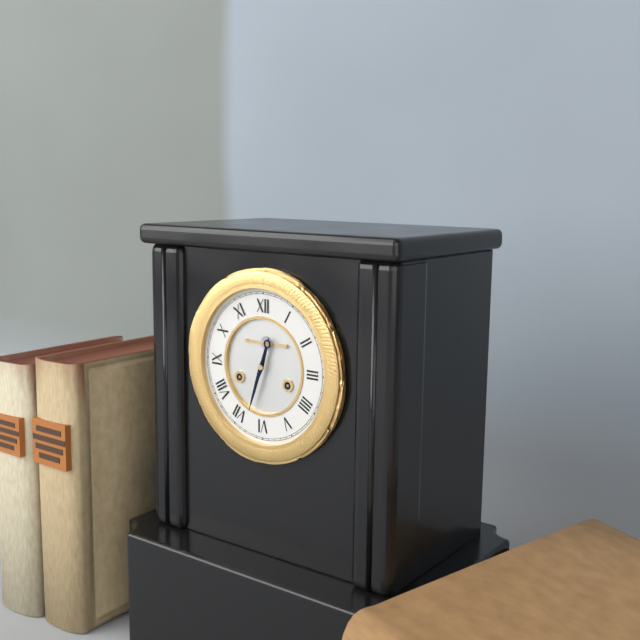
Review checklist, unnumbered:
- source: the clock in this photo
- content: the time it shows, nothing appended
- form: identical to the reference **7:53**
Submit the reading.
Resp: **12:33**
